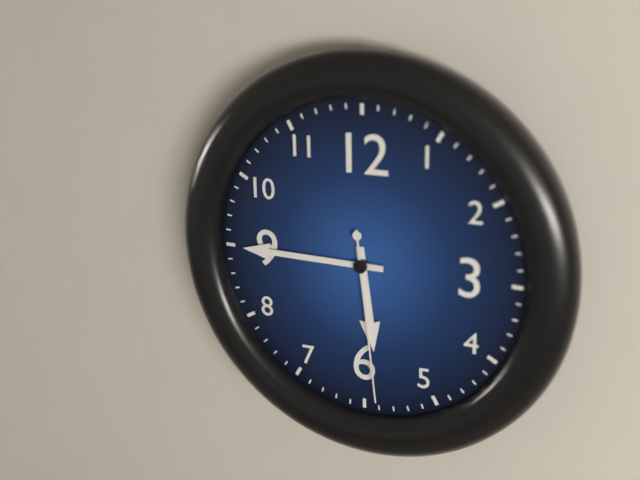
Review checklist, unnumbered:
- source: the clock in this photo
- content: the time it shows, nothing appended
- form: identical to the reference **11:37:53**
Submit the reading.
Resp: **5:45:29**
